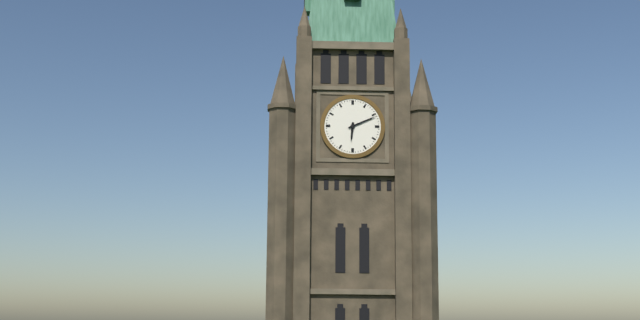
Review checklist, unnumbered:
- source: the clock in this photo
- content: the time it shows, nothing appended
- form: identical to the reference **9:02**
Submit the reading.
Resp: **6:11**
